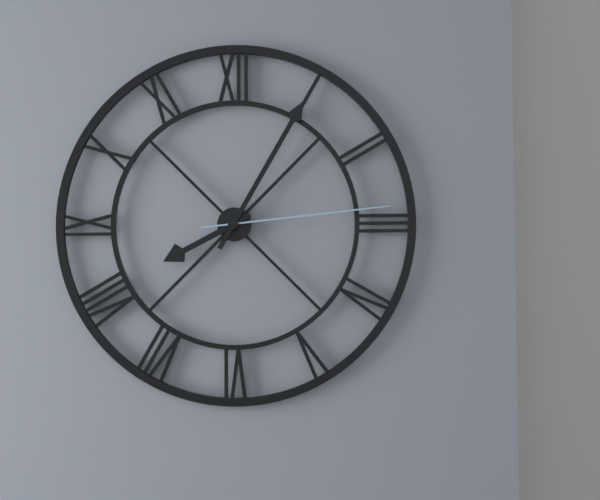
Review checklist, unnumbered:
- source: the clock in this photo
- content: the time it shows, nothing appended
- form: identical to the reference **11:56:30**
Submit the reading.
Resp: **8:05:14**
